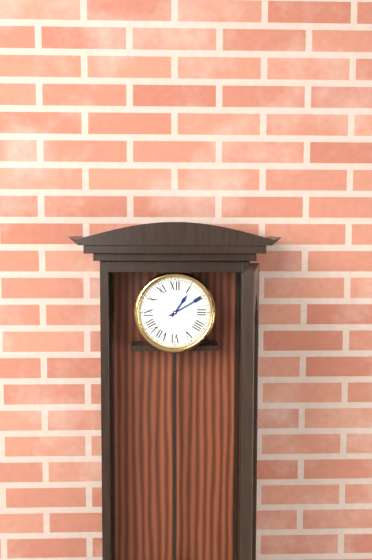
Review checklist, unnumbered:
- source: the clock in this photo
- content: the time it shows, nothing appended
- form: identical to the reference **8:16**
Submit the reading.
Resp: **1:10**
